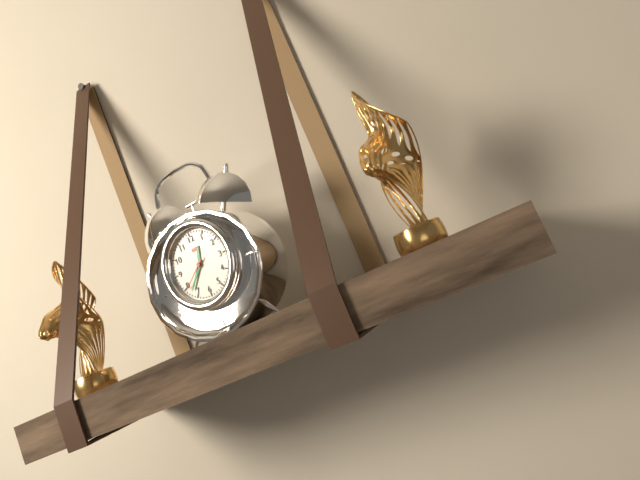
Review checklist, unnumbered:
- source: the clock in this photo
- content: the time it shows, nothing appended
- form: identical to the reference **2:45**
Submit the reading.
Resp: **12:37**
